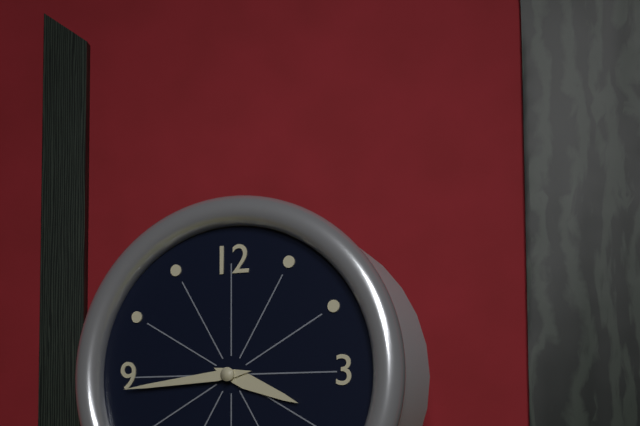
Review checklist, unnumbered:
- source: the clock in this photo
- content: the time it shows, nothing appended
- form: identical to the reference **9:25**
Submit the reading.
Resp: **3:44**
